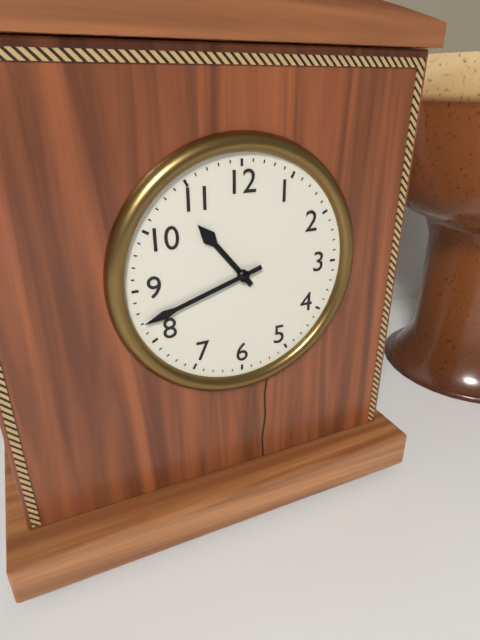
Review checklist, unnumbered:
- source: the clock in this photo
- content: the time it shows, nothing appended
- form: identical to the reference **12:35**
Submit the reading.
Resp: **10:42**
